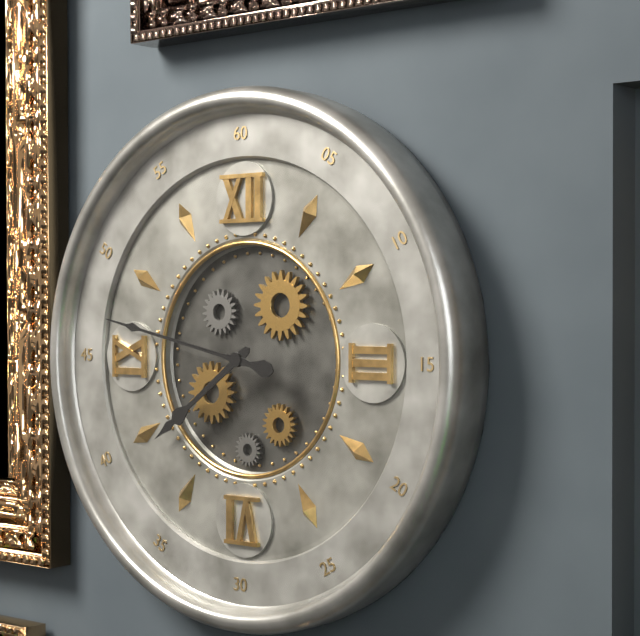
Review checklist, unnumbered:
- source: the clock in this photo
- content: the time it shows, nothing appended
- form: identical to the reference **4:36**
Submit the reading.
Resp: **7:47**
